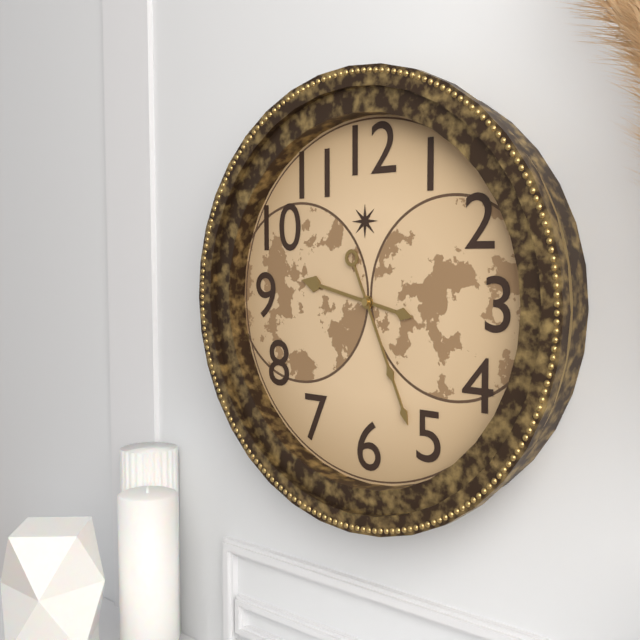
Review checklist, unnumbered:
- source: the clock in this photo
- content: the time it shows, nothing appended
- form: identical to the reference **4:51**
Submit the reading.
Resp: **9:26**
